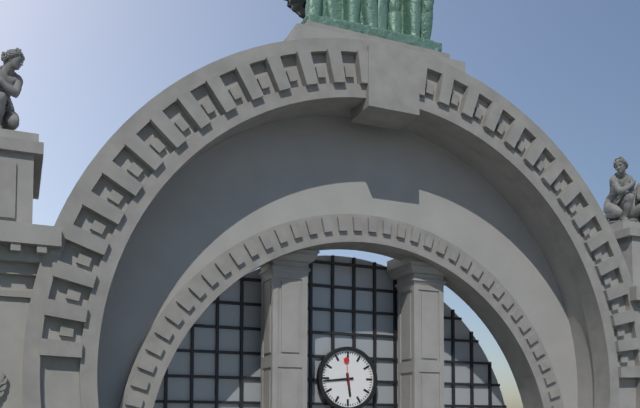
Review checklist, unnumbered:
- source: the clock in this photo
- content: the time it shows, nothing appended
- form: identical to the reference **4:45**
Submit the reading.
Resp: **5:44**
